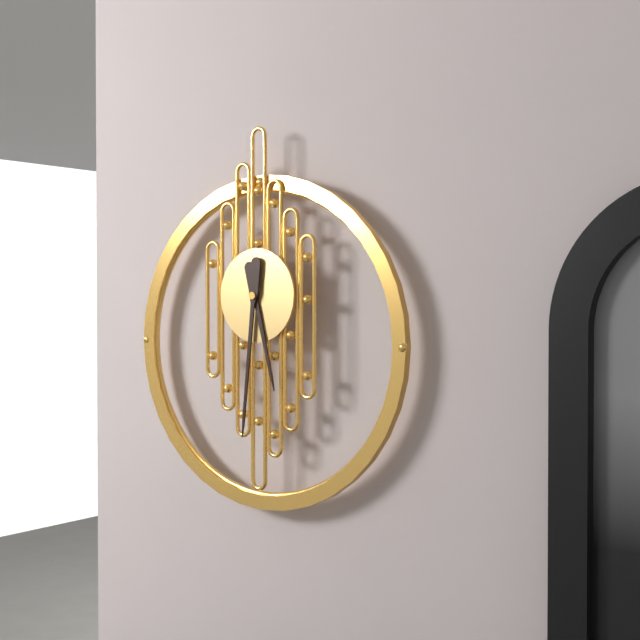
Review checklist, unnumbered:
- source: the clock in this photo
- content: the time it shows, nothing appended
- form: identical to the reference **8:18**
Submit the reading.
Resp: **5:31**
